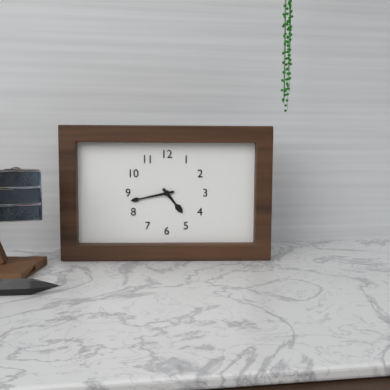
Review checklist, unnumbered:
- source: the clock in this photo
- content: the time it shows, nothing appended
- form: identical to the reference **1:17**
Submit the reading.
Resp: **4:43**
